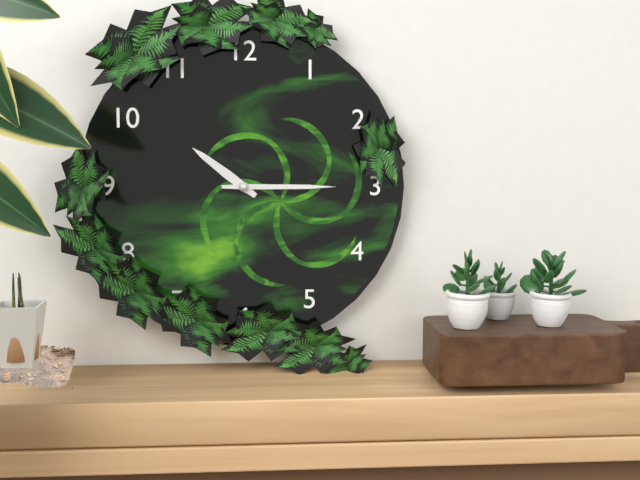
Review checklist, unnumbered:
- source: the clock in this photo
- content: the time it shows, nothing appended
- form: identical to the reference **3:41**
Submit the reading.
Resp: **10:15**
